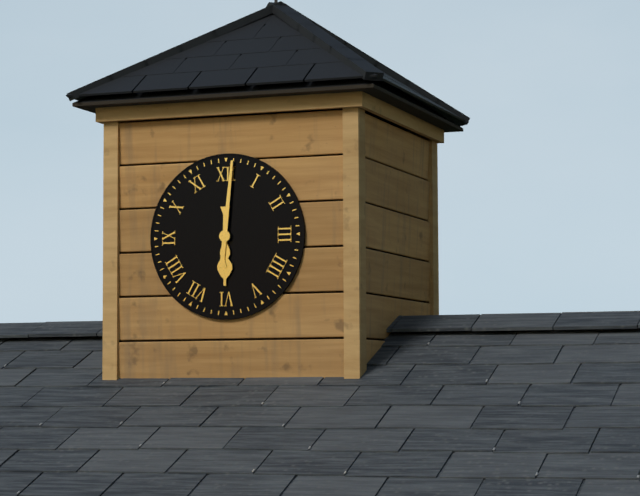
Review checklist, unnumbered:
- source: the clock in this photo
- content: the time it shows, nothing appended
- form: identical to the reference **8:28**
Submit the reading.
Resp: **6:01**
